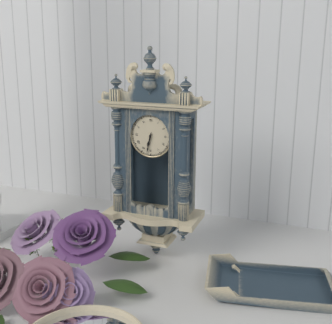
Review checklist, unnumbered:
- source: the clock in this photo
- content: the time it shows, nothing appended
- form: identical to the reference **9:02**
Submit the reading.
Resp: **6:32**
